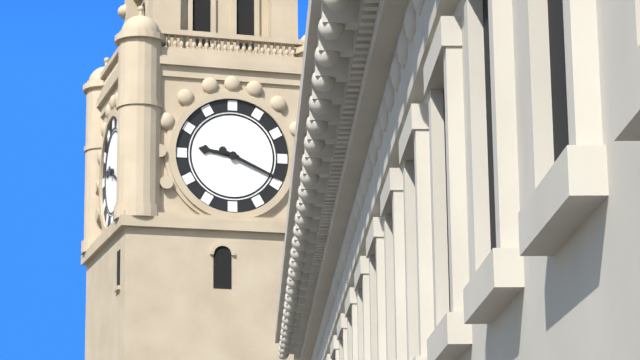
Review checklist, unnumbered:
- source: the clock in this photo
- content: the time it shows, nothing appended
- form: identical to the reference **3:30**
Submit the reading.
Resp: **9:19**
